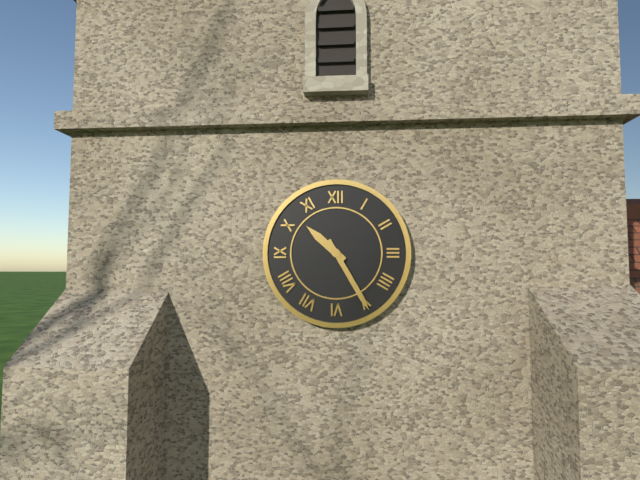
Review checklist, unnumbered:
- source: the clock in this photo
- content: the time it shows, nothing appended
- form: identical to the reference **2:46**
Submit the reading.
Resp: **10:25**
